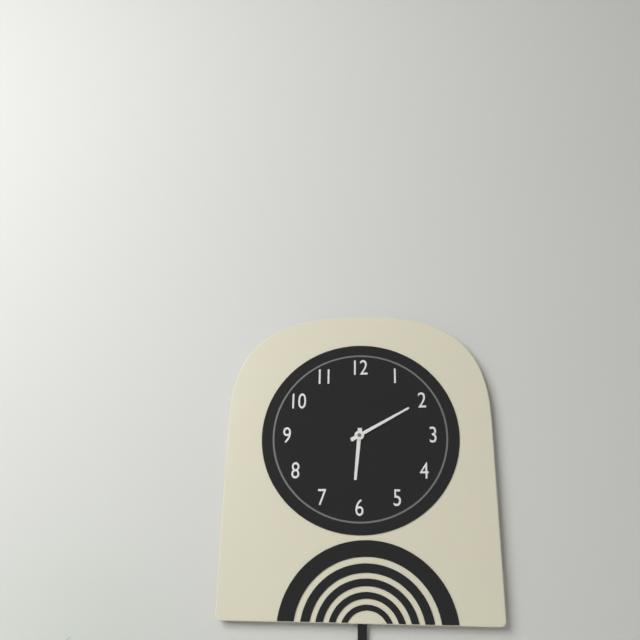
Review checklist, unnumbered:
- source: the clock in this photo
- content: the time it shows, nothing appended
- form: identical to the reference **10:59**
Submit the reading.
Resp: **6:10**
